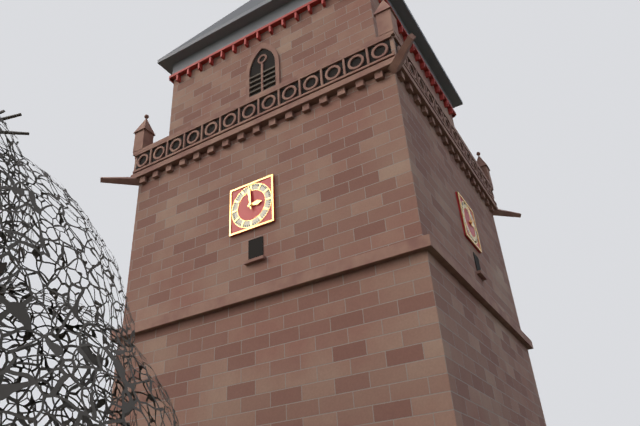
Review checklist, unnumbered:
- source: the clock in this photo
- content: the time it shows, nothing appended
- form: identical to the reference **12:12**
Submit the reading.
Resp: **2:59**
